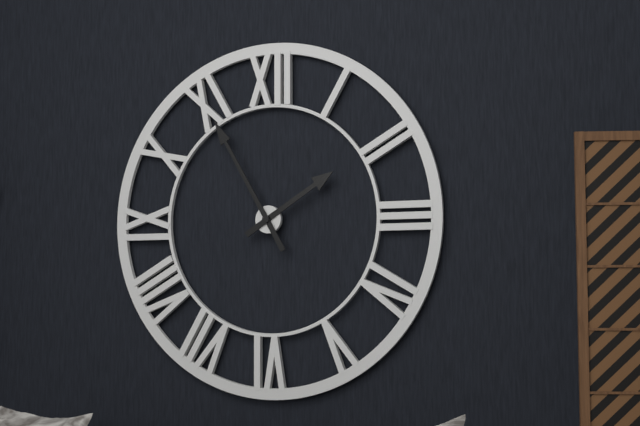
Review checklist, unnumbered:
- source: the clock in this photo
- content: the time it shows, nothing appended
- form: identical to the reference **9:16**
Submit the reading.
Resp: **1:55**
